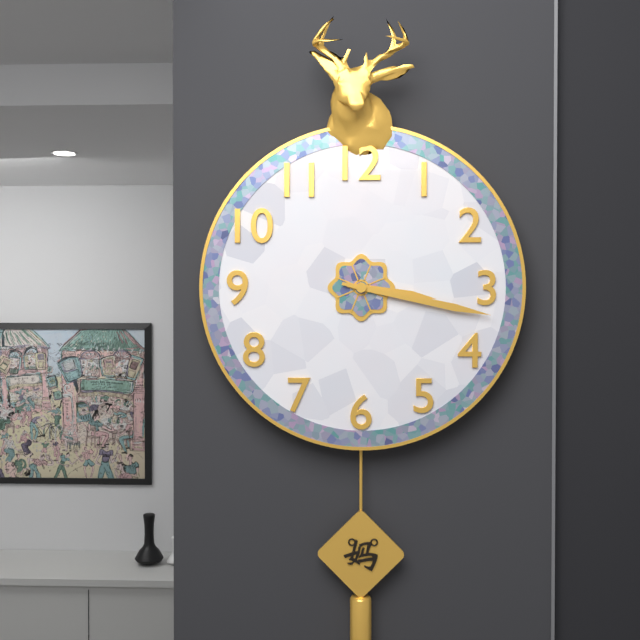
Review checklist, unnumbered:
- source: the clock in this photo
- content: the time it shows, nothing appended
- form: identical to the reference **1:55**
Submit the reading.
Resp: **3:17**
